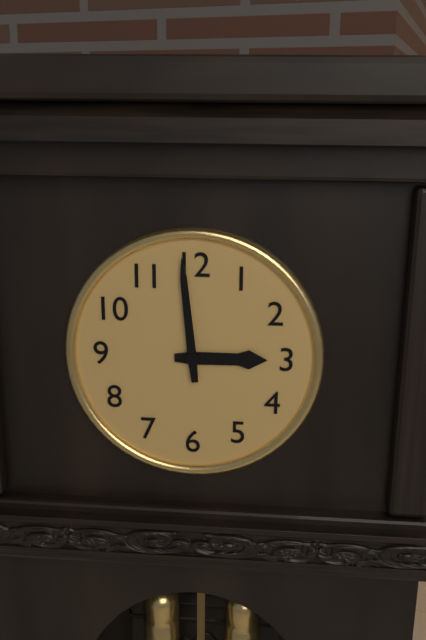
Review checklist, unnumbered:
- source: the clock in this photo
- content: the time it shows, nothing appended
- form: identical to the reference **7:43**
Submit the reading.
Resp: **2:59**
